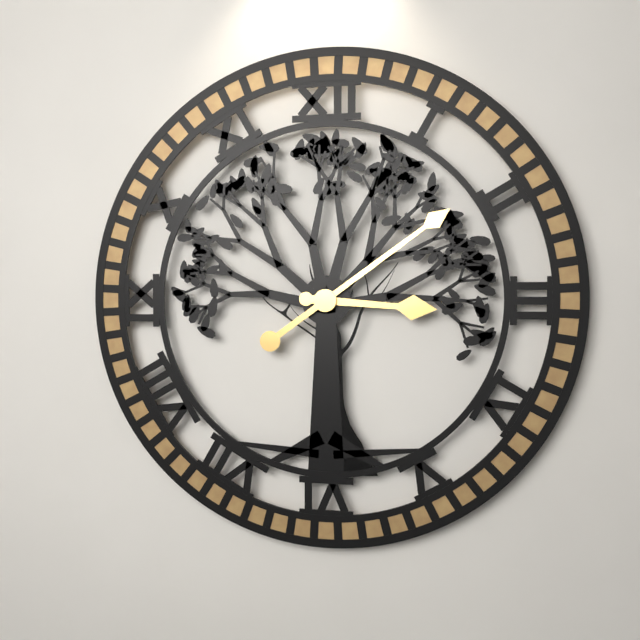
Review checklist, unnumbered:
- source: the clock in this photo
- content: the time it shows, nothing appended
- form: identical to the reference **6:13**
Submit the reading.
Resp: **3:09**
